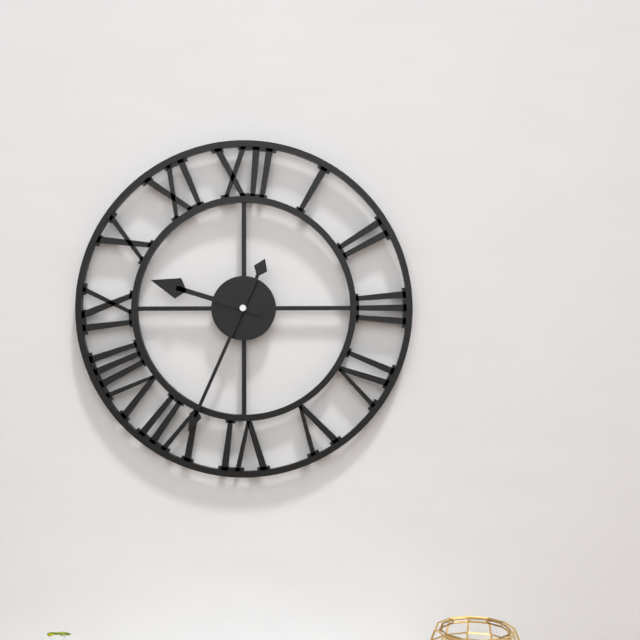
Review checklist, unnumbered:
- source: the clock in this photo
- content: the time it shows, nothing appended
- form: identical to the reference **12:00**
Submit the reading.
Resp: **9:34**
